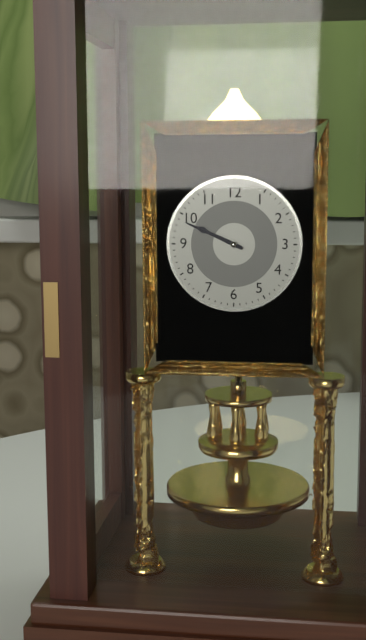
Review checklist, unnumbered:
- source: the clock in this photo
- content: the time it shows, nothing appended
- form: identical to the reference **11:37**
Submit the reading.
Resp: **9:49**
